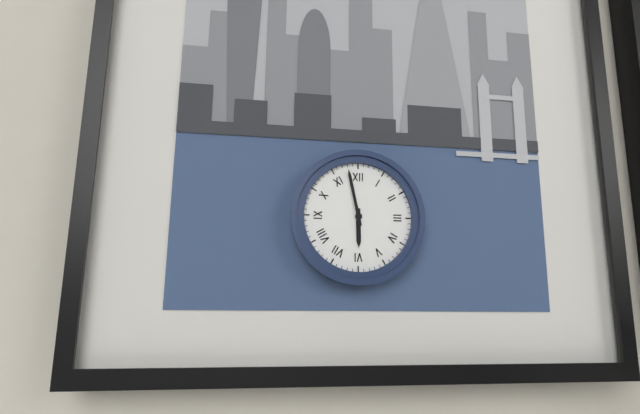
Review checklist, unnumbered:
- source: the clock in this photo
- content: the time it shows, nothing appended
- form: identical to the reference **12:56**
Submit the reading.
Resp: **5:58**
